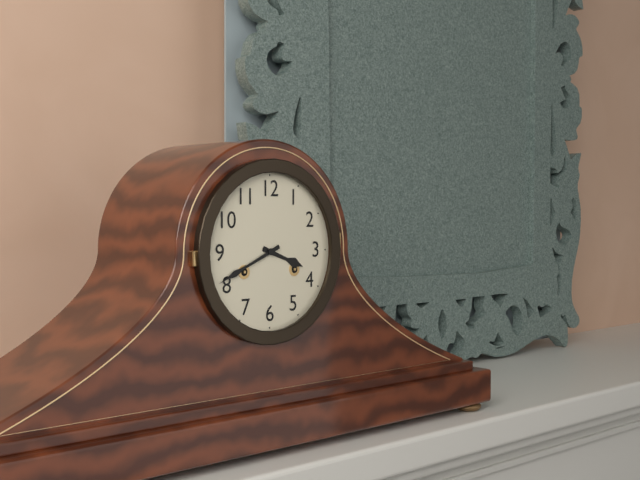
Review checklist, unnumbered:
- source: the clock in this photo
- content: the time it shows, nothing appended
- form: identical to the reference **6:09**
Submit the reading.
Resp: **3:41**
